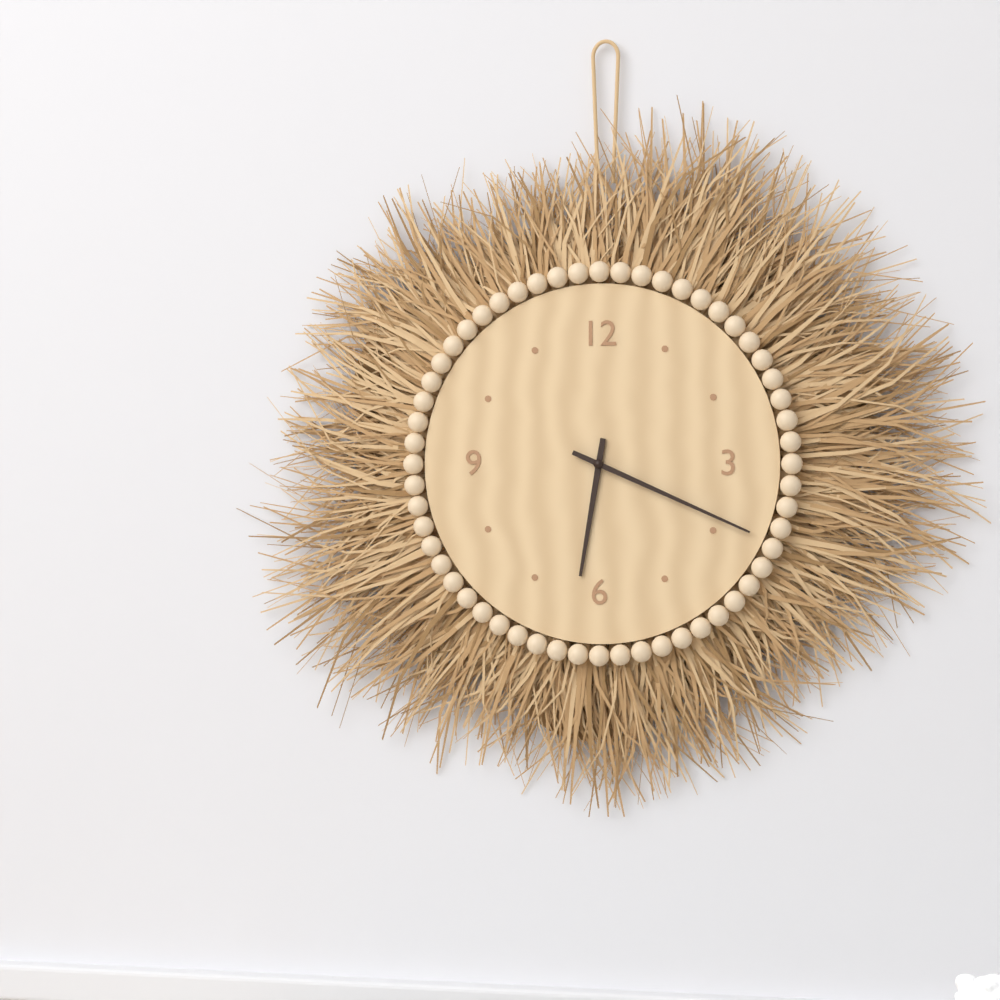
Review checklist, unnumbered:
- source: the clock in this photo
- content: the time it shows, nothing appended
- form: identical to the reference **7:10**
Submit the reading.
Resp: **6:19**
